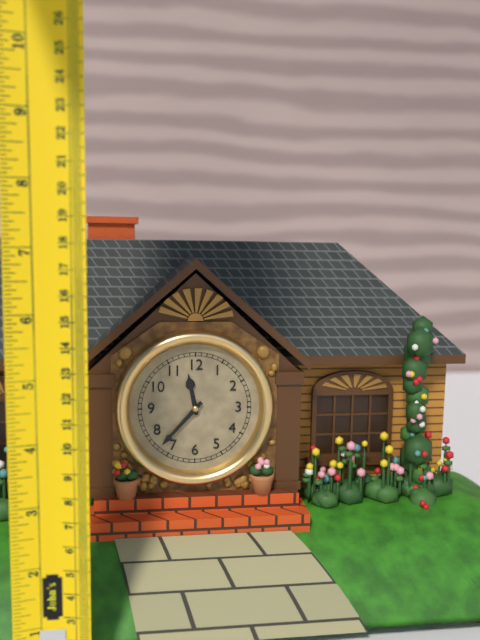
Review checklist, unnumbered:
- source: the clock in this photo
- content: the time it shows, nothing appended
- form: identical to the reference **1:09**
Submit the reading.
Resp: **11:37**
